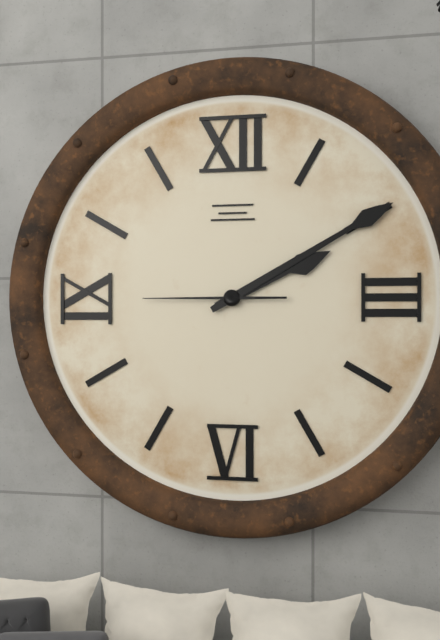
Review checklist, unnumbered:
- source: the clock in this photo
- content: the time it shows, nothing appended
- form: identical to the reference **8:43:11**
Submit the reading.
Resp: **2:10:45**
